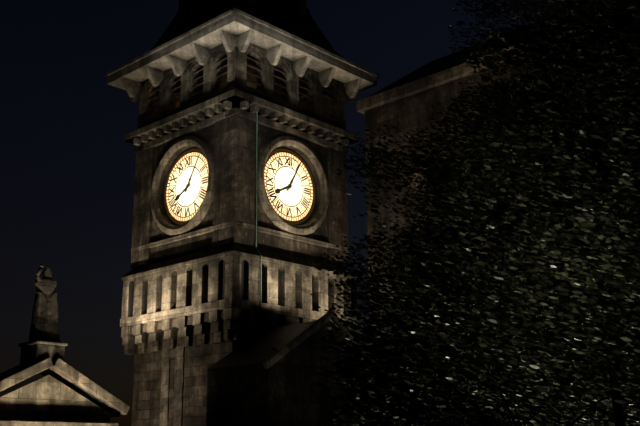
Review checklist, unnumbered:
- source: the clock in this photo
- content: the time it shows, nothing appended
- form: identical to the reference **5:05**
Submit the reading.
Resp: **8:05**
